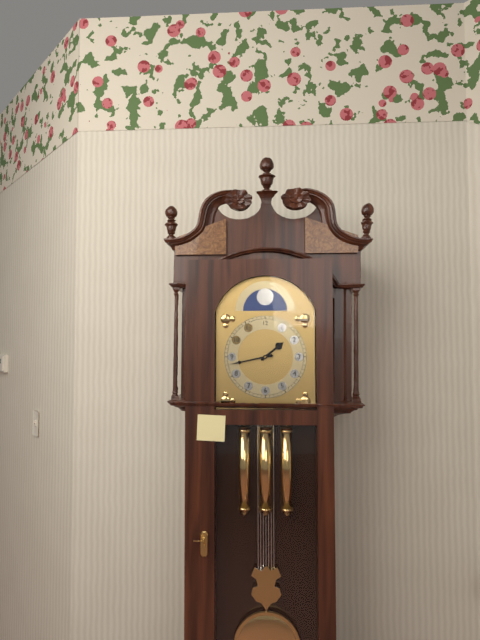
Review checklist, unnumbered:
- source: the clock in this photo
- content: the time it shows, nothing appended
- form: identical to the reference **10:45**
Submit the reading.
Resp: **1:43**
